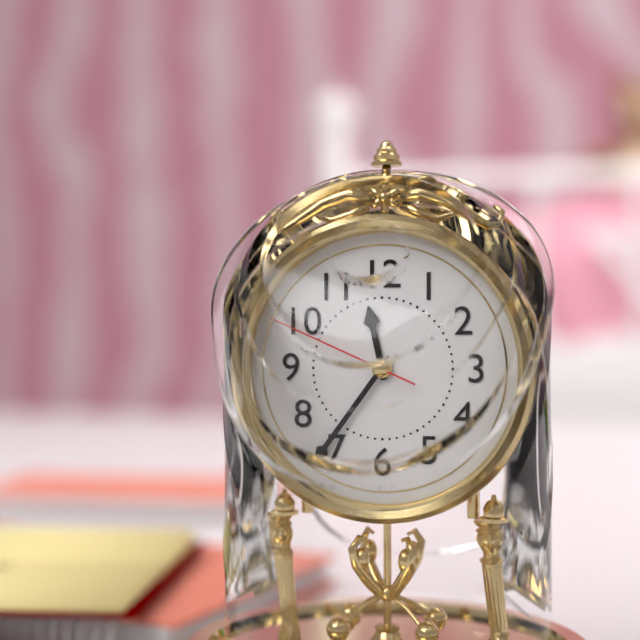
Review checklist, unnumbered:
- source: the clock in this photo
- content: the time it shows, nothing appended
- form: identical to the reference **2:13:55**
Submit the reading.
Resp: **11:36:49**
